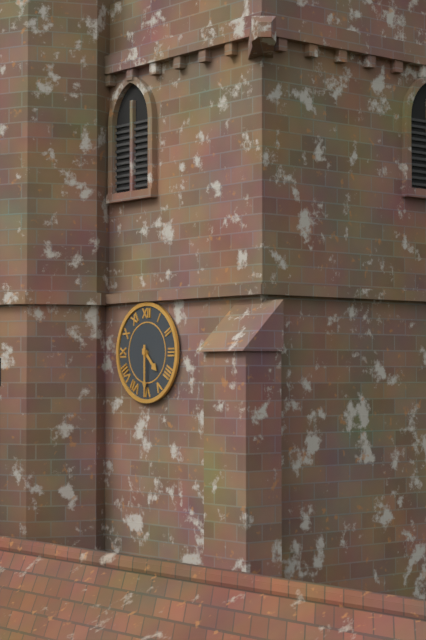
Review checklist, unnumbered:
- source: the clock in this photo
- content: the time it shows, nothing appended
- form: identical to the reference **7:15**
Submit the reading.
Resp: **4:30**
